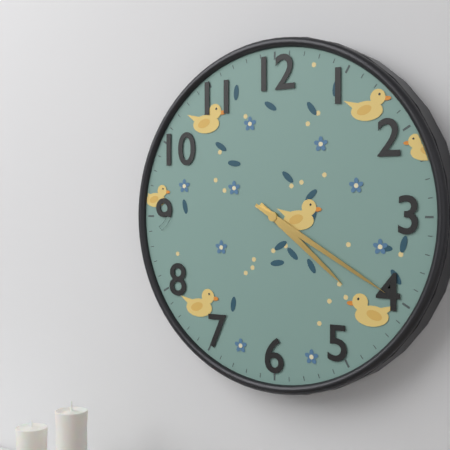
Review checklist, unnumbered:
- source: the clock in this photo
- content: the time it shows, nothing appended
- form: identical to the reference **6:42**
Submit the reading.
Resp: **4:20**
